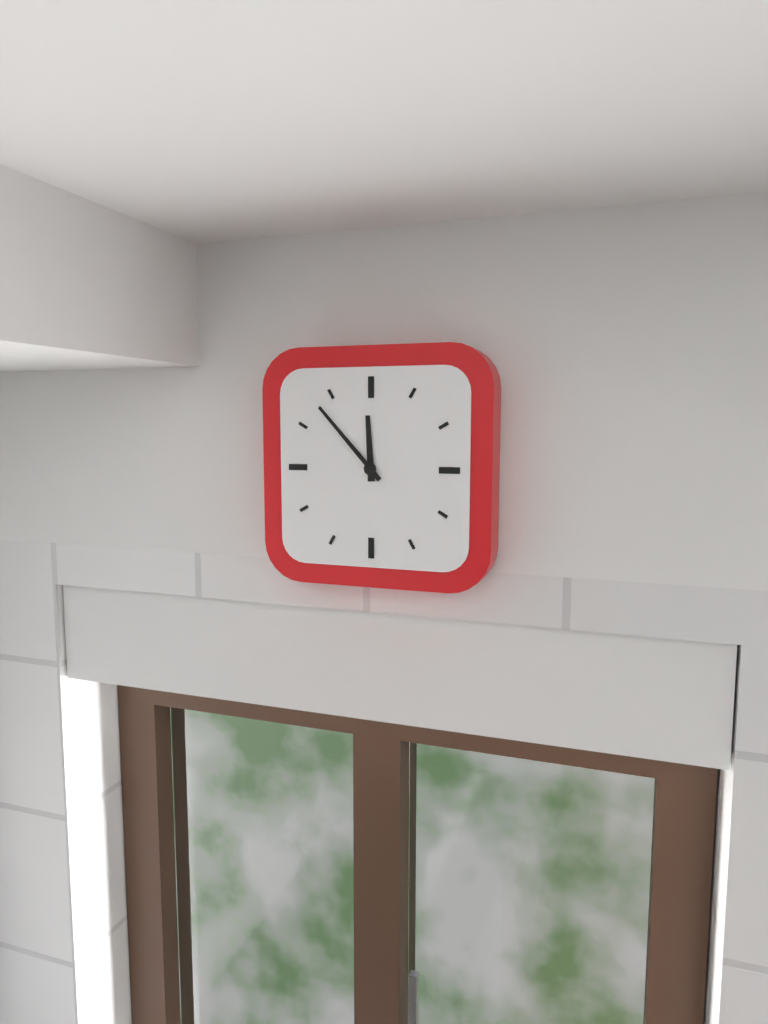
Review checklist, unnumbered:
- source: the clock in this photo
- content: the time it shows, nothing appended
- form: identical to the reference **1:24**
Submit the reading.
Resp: **11:53**
